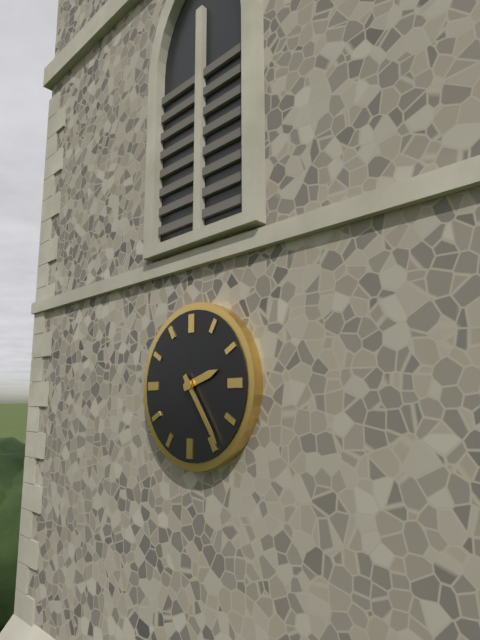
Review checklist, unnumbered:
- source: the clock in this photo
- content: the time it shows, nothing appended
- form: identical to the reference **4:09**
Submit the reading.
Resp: **2:24**
